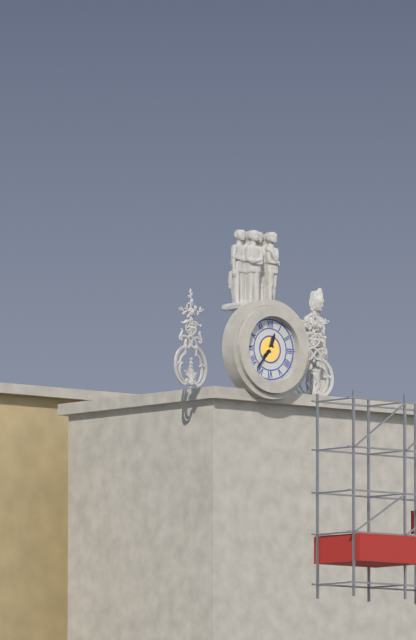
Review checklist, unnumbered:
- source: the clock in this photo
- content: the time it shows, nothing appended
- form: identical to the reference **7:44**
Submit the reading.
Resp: **12:37**
